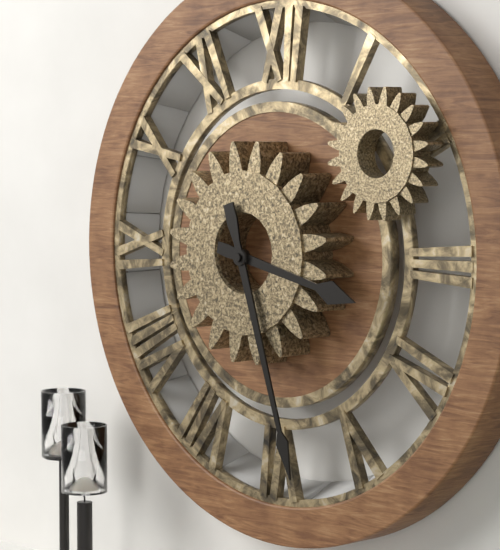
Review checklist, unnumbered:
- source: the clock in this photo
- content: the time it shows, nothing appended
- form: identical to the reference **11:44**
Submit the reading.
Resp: **3:27**
